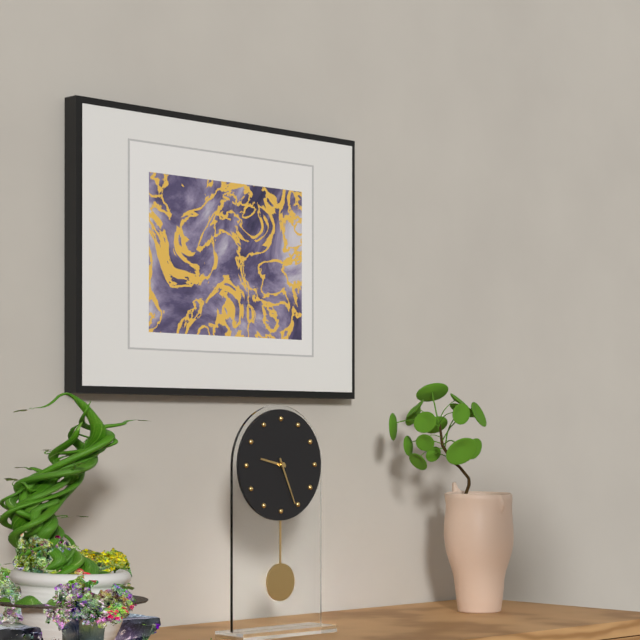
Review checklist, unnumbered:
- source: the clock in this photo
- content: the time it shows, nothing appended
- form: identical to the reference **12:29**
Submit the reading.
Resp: **9:26**
